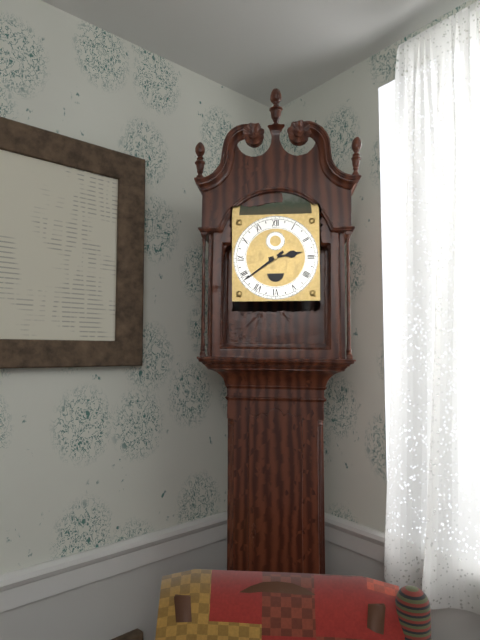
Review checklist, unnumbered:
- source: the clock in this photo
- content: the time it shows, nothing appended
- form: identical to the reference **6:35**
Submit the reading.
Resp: **2:39**
